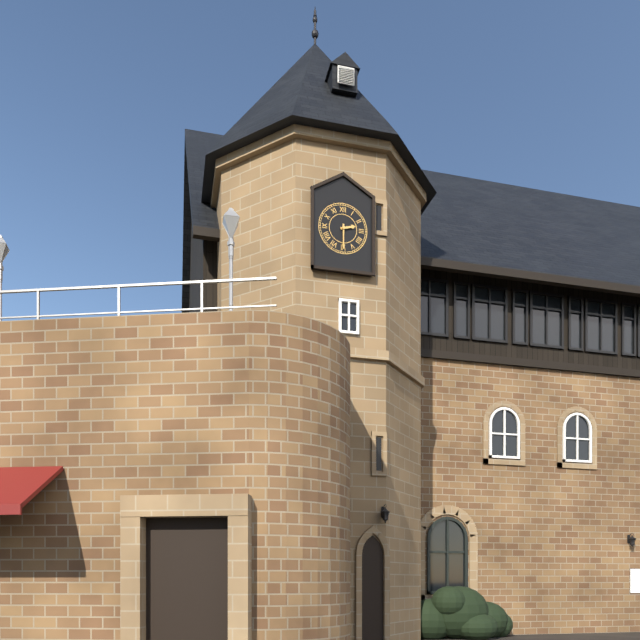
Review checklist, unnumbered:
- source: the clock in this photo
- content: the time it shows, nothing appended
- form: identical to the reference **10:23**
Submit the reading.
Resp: **2:30**
